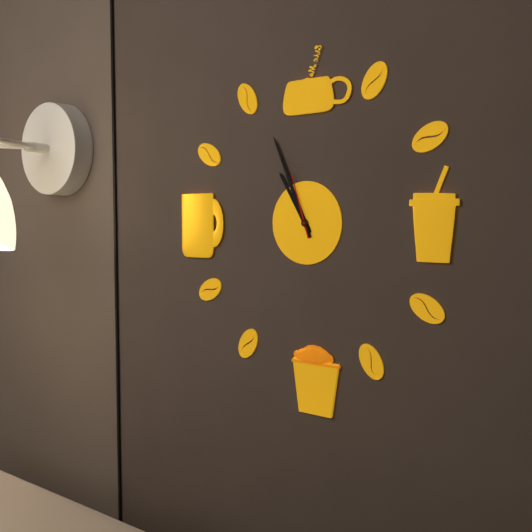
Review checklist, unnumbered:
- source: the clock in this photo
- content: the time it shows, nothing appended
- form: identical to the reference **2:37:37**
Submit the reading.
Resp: **10:56:57**
